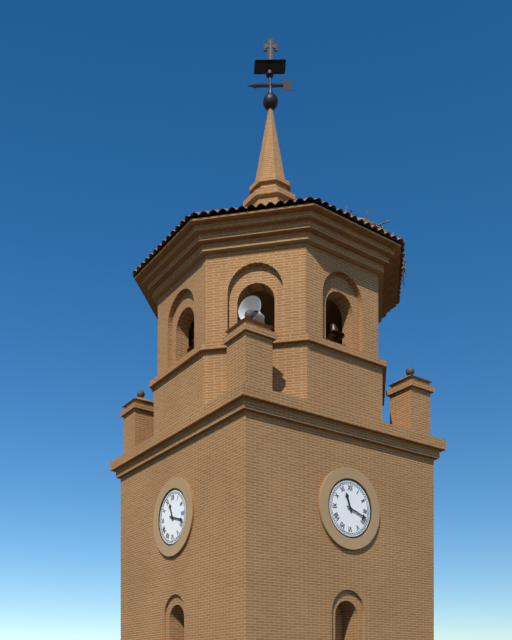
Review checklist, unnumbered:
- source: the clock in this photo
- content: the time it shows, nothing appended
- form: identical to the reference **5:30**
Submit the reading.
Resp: **11:18**
